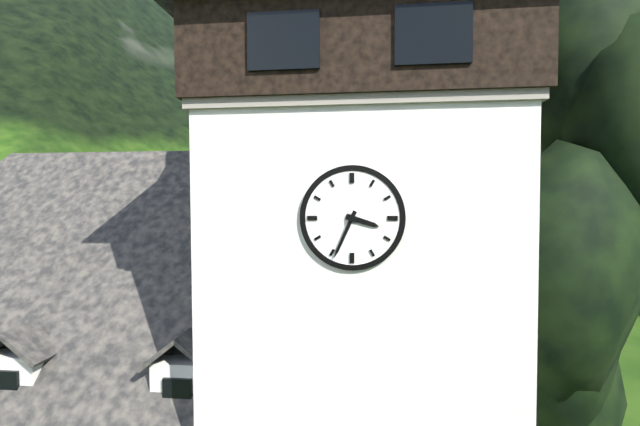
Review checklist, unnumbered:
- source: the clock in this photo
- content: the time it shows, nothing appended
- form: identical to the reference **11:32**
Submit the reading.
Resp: **3:34**
